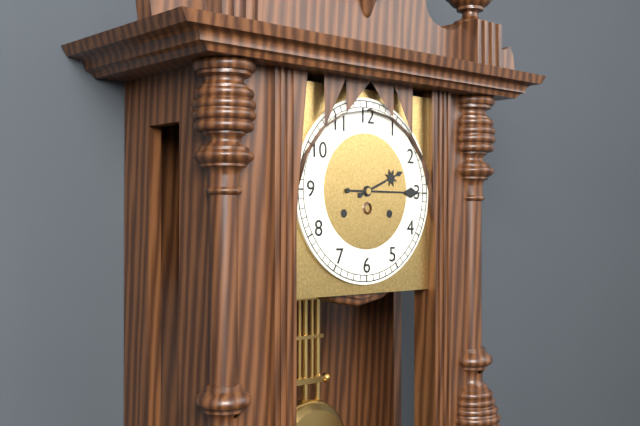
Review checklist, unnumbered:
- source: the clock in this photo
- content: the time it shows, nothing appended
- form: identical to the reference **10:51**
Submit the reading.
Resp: **2:15**
